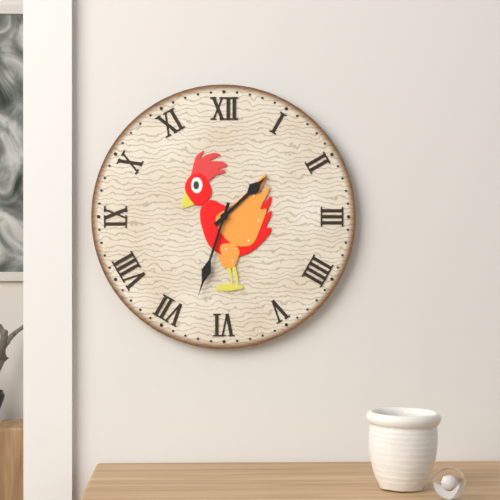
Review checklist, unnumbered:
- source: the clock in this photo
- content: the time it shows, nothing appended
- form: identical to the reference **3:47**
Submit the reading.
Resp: **1:33**
